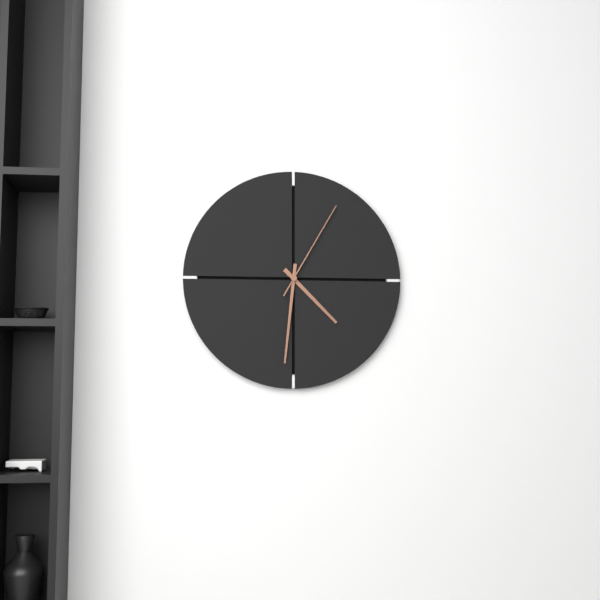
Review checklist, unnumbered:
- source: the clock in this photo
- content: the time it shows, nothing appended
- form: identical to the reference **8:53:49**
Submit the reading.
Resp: **4:31:05**
